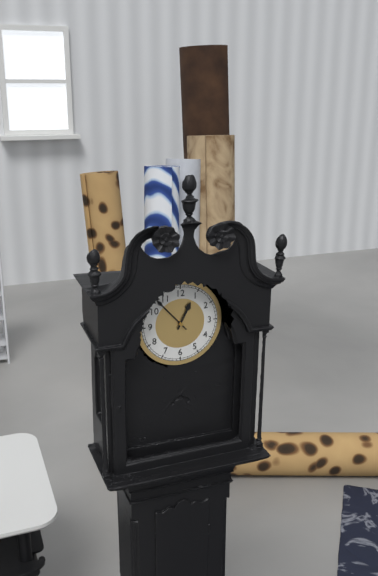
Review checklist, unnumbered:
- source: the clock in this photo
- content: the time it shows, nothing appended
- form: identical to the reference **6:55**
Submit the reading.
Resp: **12:53**
